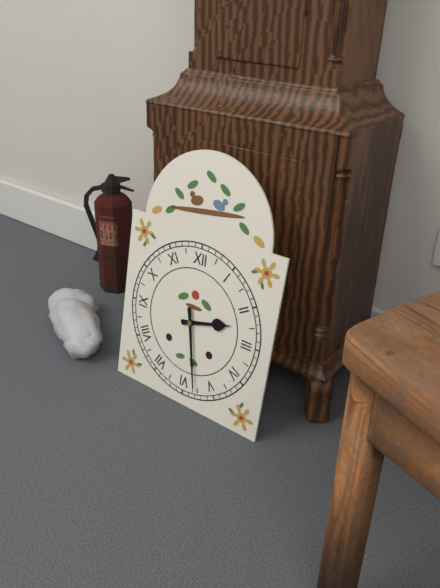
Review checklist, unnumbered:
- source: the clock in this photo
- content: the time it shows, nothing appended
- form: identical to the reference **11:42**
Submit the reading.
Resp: **2:28**
